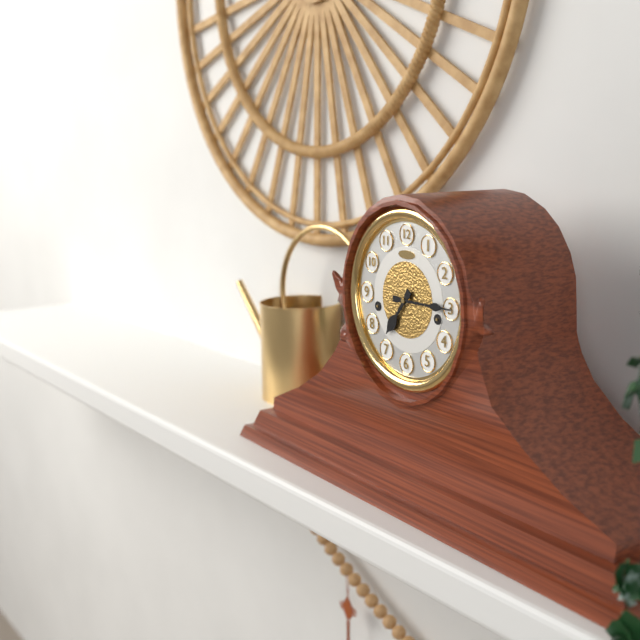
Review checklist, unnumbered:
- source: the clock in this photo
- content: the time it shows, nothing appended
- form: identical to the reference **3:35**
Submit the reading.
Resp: **7:15**
